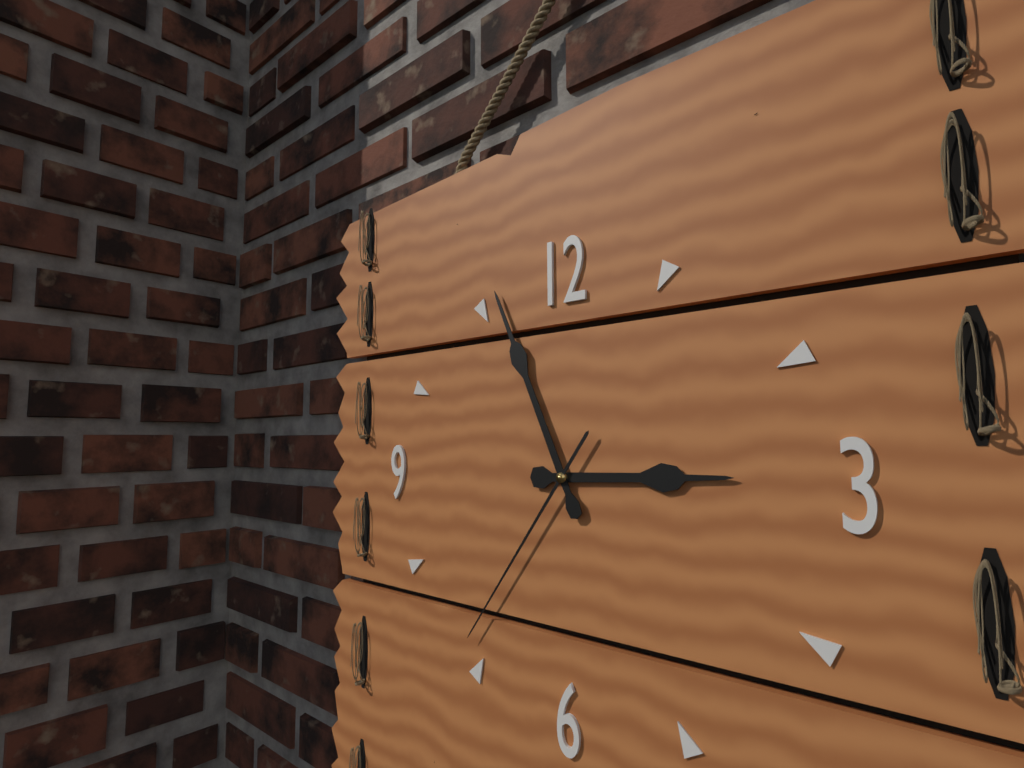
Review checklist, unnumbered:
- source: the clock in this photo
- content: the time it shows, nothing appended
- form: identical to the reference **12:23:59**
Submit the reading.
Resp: **2:56:36**
